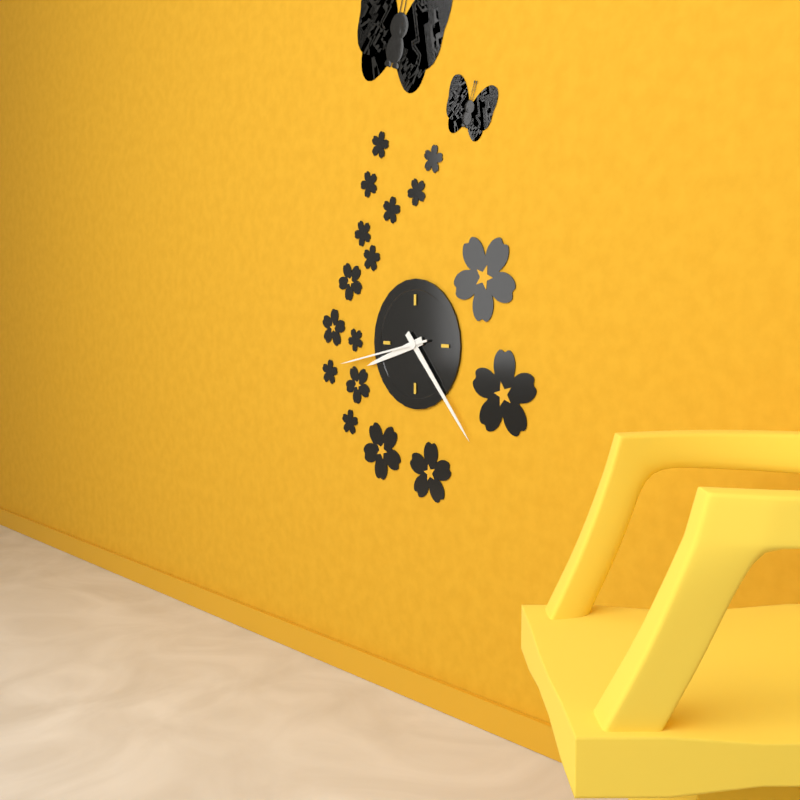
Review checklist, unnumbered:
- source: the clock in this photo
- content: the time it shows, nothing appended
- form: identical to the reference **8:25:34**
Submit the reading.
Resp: **8:23:43**
